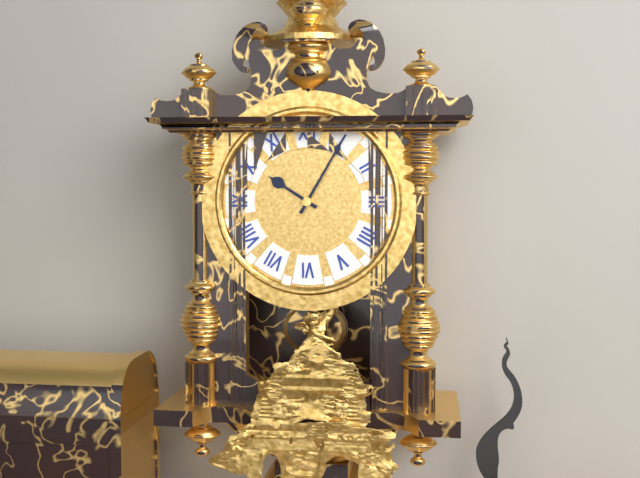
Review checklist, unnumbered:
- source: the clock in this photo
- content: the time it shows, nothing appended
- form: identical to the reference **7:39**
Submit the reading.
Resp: **10:05**
